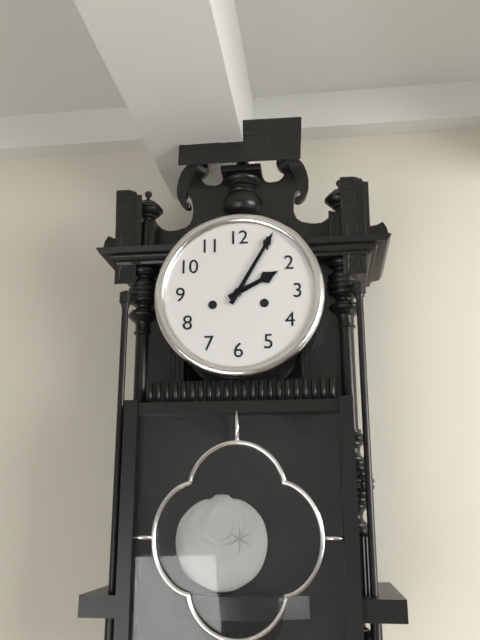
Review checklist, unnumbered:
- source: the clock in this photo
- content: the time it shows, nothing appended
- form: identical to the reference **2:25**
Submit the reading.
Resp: **2:05**
